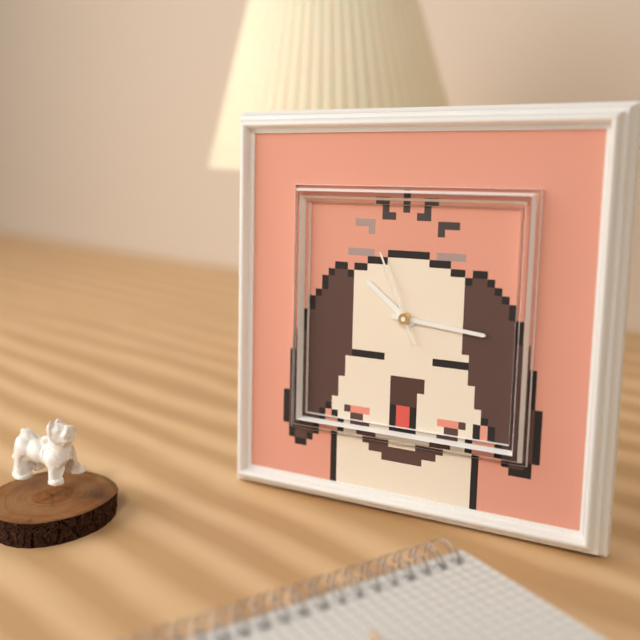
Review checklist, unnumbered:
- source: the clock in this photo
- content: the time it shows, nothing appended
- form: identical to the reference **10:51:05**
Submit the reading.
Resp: **10:16:56**
